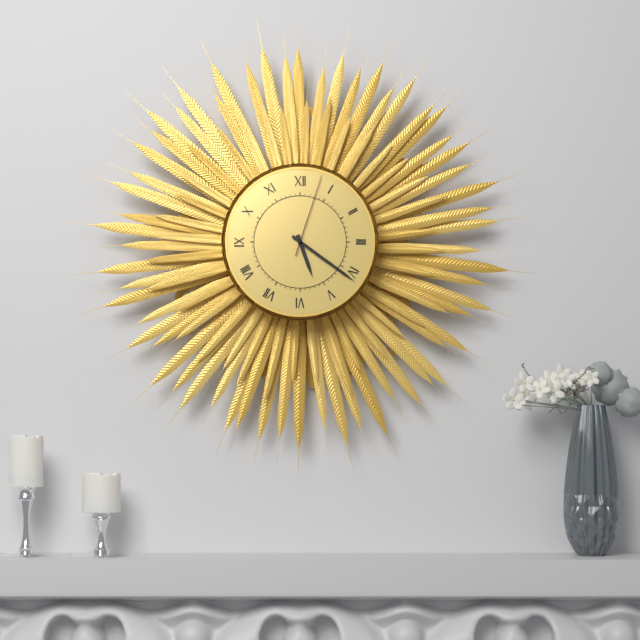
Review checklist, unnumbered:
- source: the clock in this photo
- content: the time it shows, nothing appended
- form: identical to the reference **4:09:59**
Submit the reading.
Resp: **5:21:03**
